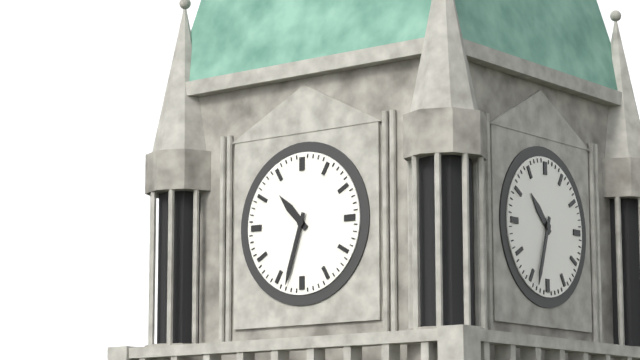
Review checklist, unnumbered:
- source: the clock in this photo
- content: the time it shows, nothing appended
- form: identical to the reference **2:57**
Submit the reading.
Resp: **10:33**
